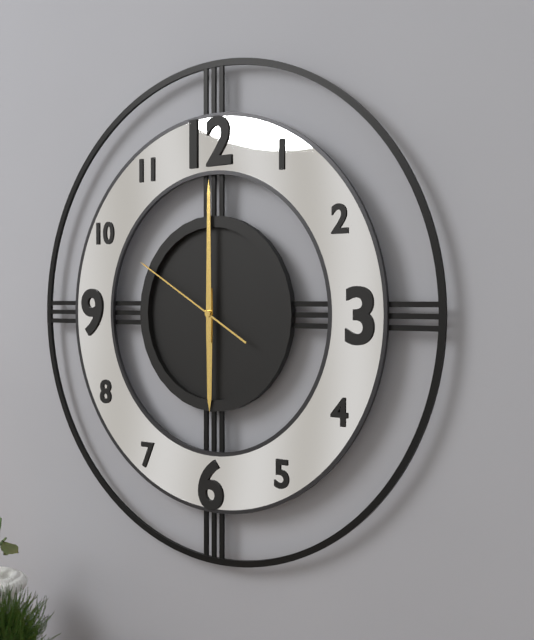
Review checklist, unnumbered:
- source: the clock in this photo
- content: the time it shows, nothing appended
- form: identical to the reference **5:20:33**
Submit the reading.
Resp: **6:00:50**
